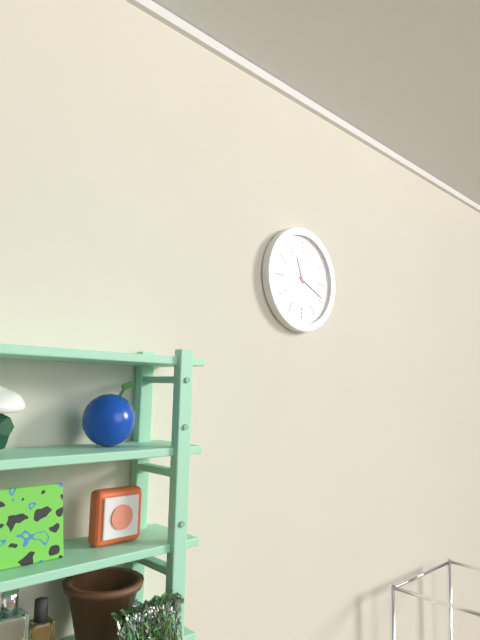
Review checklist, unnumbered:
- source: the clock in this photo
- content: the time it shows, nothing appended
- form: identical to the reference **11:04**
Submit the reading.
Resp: **11:19**
